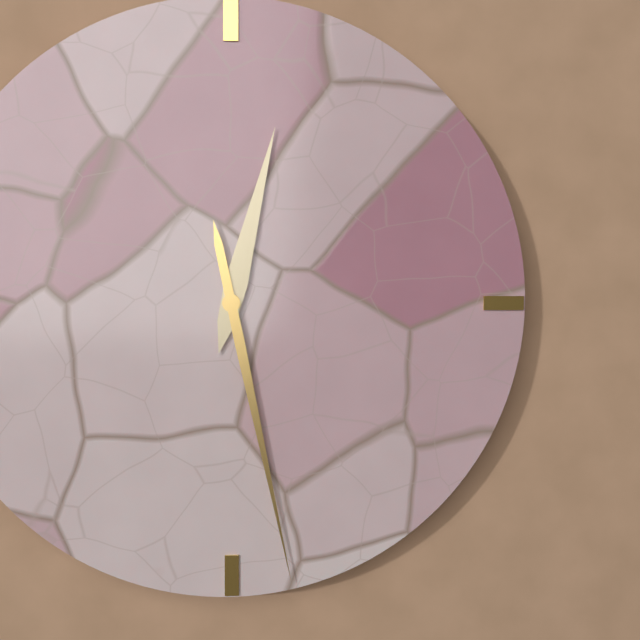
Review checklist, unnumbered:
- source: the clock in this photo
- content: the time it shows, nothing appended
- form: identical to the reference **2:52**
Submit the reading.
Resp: **12:28**
